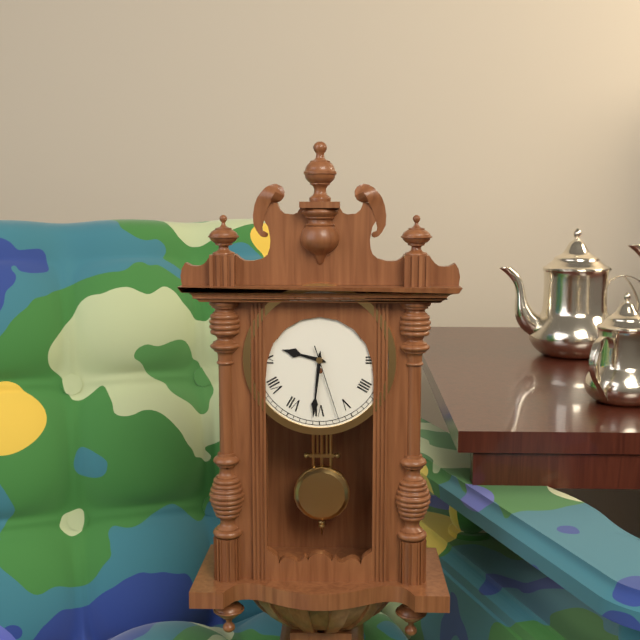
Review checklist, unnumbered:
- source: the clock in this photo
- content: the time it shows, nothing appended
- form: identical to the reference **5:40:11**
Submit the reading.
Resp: **9:31:27**
